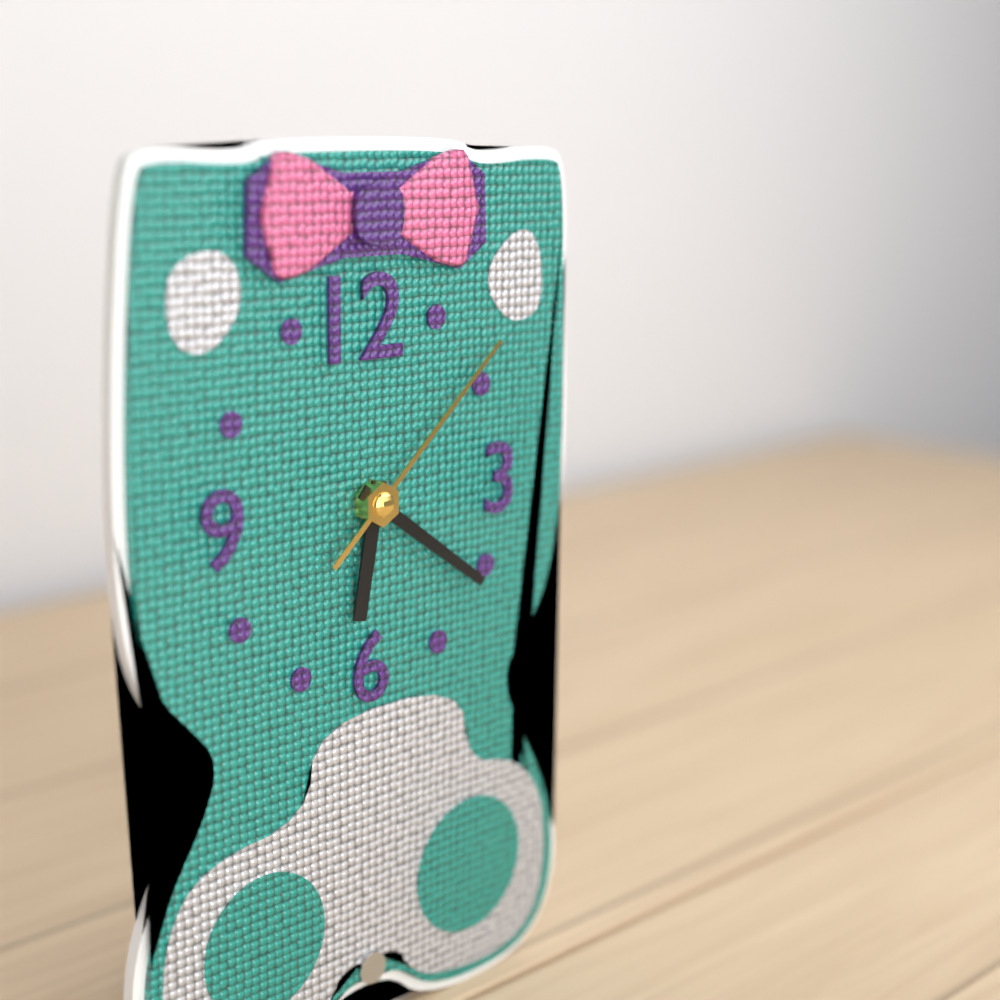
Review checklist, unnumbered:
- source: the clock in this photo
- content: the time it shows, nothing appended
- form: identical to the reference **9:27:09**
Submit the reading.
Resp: **6:21:08**
